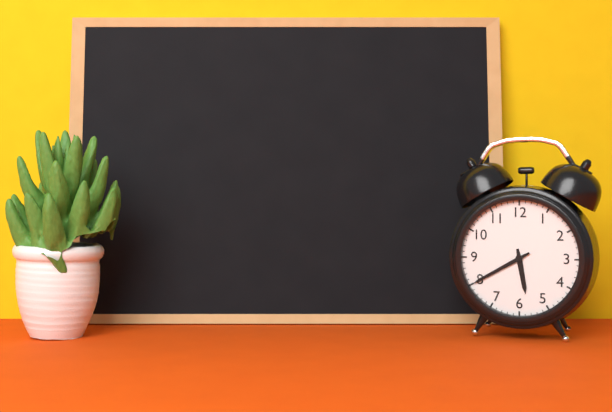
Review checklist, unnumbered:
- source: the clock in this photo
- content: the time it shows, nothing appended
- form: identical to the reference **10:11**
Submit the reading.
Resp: **5:40**
